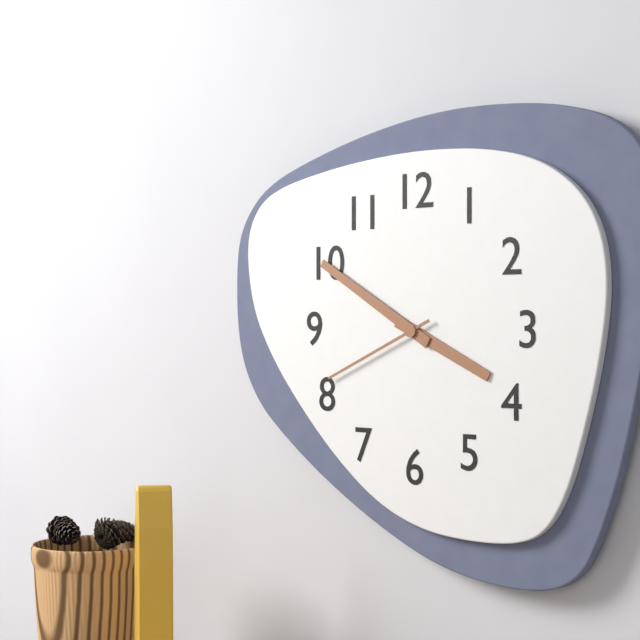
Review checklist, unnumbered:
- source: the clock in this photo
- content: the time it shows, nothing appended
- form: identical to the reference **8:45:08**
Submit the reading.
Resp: **3:50:41**
